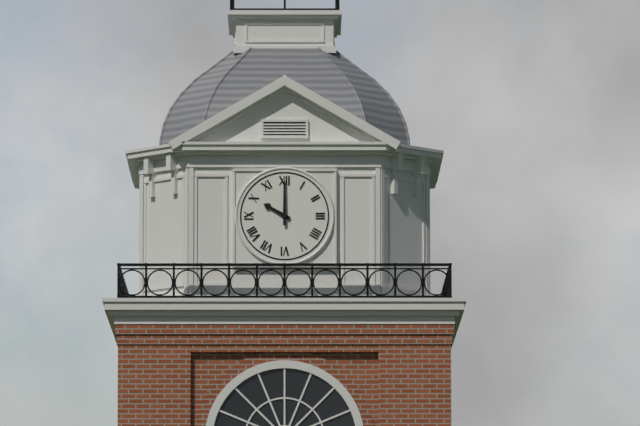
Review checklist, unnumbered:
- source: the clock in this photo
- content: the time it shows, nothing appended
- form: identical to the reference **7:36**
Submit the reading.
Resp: **10:00**
